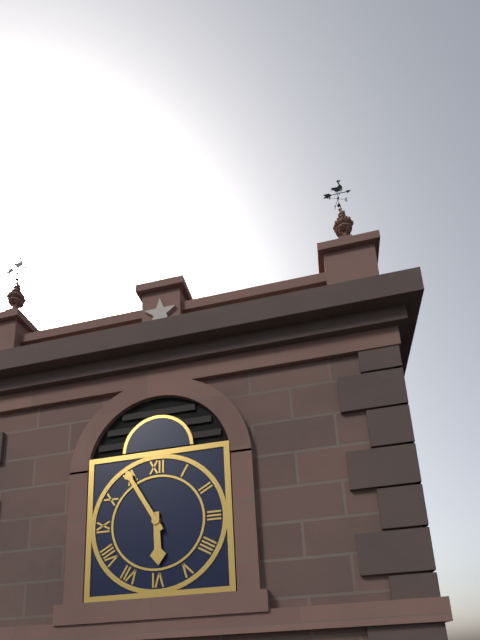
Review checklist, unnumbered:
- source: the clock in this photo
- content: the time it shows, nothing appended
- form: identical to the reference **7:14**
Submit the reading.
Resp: **5:55**
